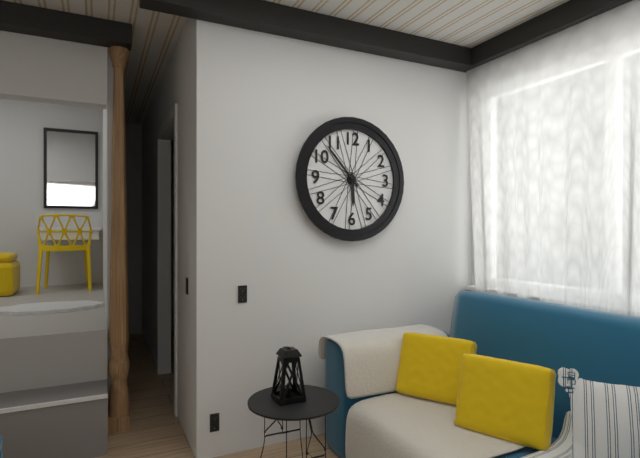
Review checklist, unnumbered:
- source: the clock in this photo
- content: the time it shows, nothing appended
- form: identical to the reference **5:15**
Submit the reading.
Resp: **5:53**
